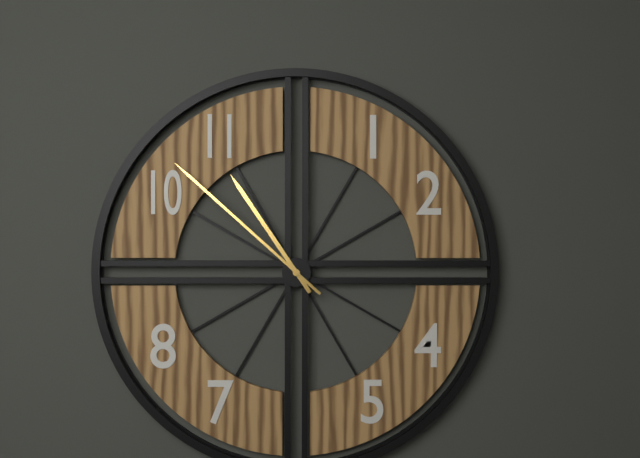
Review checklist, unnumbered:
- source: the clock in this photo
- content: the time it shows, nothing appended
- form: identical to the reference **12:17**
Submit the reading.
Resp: **10:52**
